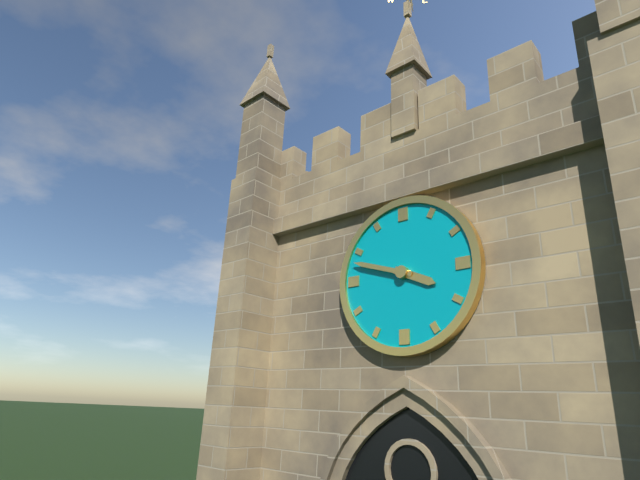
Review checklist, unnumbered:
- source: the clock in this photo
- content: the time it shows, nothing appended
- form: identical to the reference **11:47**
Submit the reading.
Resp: **3:48**
